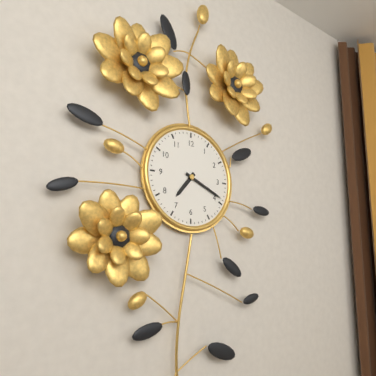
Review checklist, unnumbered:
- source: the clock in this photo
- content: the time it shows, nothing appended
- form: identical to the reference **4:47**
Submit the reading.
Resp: **7:19**
